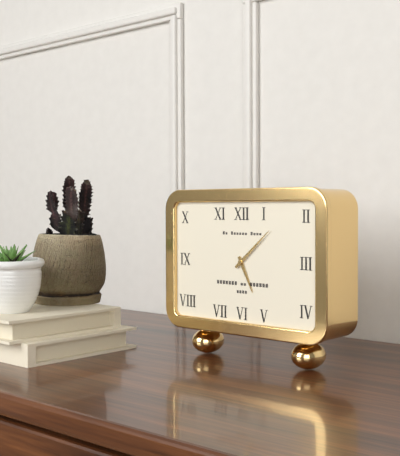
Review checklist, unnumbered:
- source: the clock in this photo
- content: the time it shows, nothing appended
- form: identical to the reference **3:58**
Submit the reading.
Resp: **5:08**
